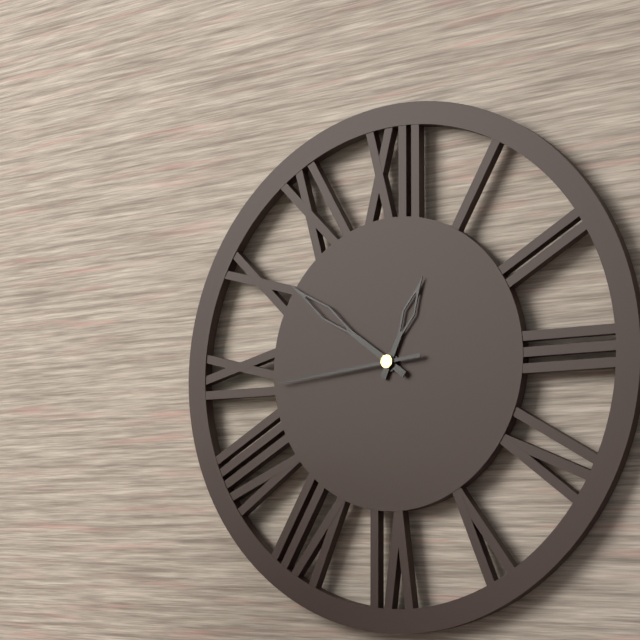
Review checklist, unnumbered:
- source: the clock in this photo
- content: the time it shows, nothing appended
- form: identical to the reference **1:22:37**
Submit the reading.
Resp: **12:51:44**
